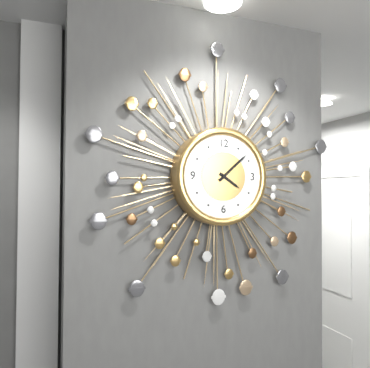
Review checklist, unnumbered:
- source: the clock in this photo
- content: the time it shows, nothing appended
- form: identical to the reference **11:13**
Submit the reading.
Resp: **4:08**
